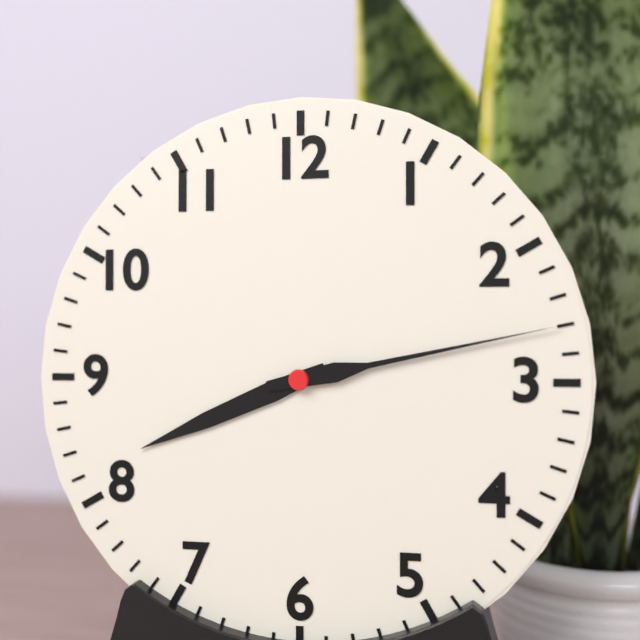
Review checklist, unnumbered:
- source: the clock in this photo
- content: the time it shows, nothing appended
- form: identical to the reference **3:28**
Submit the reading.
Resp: **8:13**
